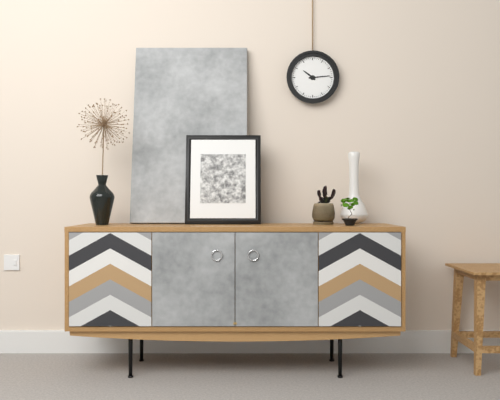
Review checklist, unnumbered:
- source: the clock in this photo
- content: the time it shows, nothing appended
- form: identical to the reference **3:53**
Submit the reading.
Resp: **10:14**
